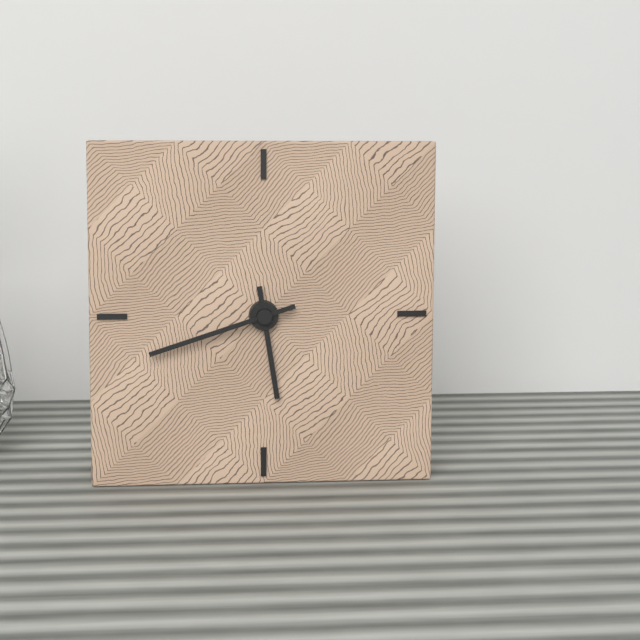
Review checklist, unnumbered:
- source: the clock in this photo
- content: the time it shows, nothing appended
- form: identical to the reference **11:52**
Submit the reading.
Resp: **5:42**
